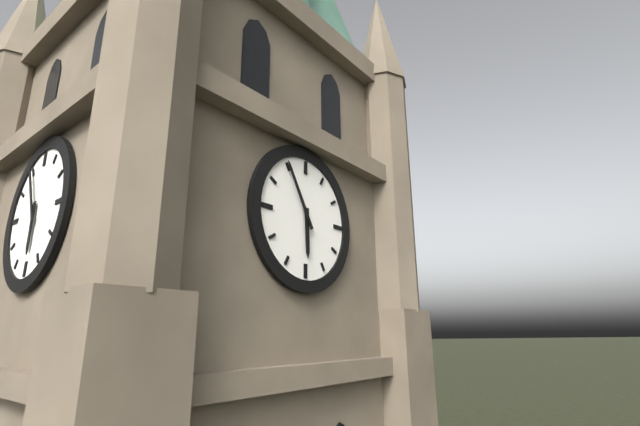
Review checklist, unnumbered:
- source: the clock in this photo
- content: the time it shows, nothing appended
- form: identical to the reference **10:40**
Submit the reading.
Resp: **5:55**
